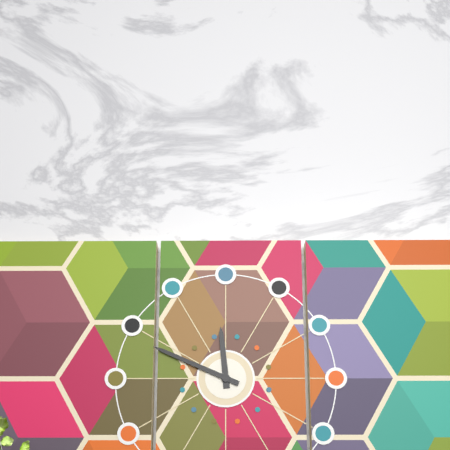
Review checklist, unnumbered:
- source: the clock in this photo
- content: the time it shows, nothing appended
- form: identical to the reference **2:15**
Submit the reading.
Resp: **11:49**
